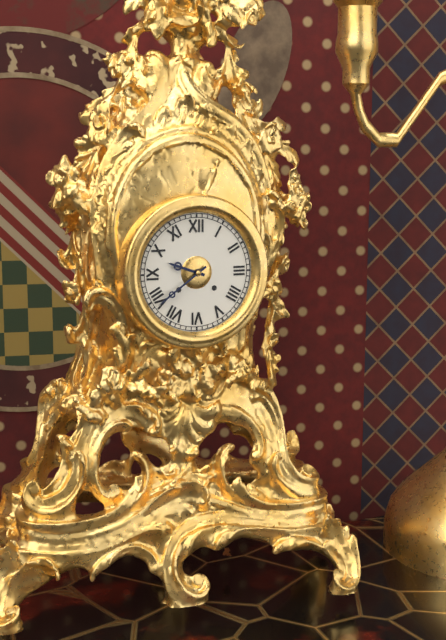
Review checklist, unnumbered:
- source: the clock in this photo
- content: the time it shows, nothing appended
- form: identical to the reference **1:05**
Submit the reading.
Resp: **9:39**
